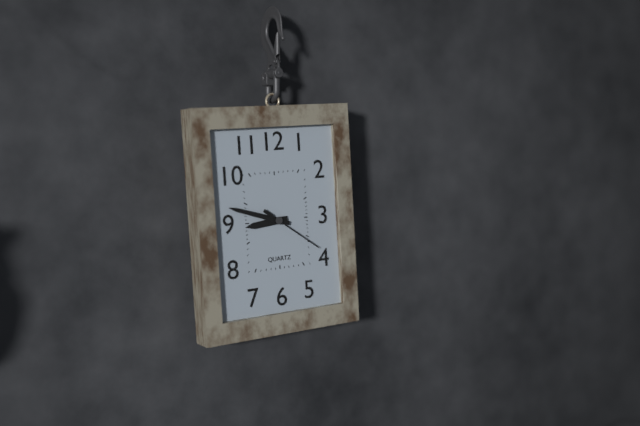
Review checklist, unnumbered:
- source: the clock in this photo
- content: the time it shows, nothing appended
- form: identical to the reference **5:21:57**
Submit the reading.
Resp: **8:48:21**
